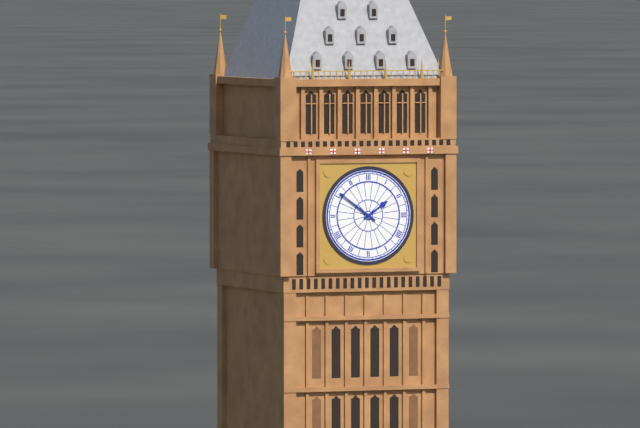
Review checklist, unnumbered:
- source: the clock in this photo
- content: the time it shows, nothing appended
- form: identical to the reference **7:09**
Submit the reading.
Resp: **1:51**
